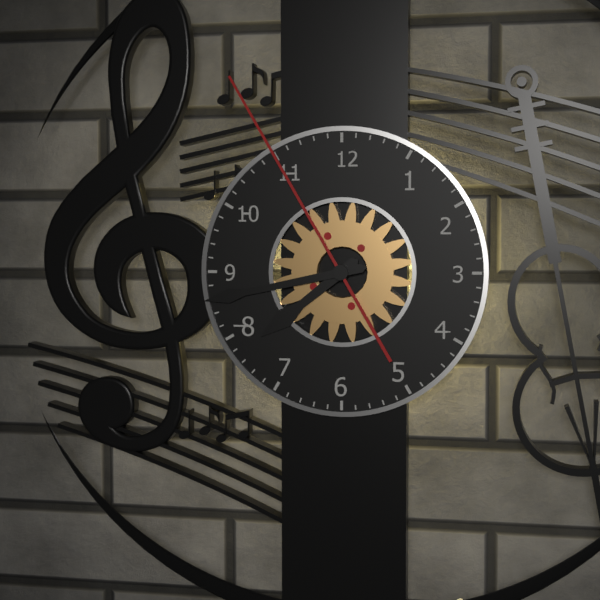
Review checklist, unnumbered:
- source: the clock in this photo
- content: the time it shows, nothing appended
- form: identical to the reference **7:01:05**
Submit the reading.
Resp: **7:43:55**
